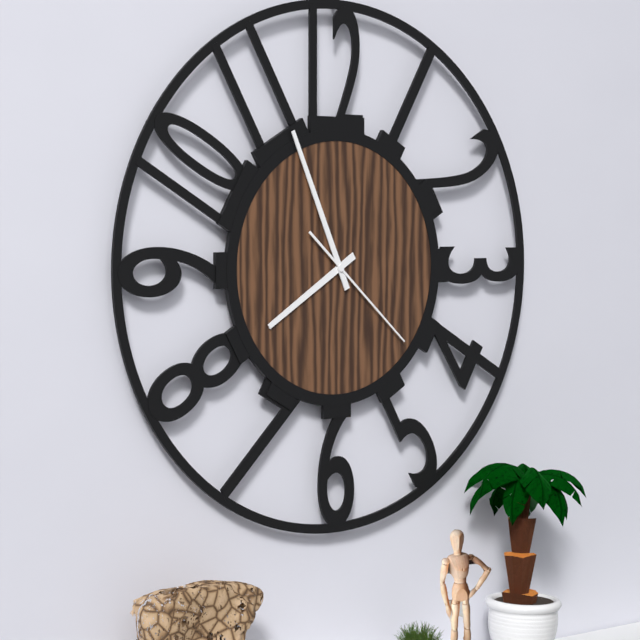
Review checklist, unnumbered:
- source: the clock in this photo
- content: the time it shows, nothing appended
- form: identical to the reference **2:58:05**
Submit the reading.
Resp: **7:56:22**
